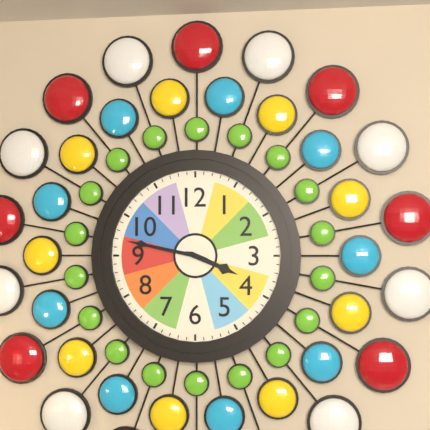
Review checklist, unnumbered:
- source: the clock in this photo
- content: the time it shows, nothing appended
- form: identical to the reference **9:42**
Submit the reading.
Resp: **3:47**
